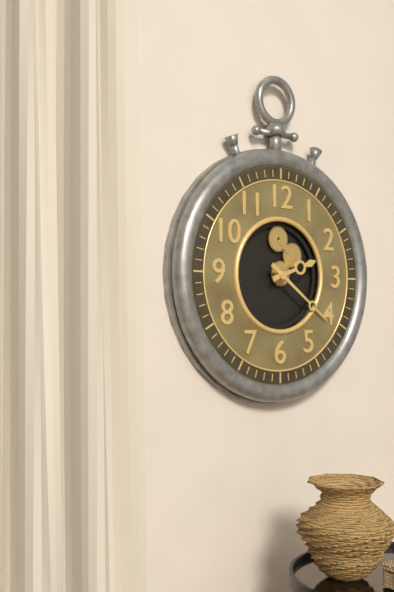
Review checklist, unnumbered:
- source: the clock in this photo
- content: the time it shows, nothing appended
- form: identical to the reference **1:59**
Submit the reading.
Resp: **2:21**
